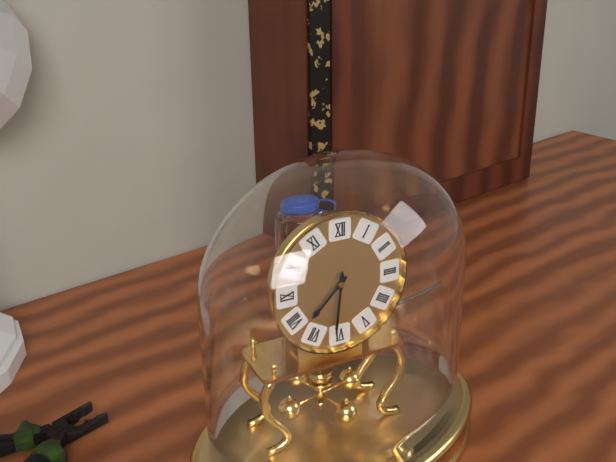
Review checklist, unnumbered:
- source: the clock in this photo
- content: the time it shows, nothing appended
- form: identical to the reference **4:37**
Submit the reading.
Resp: **7:31**
